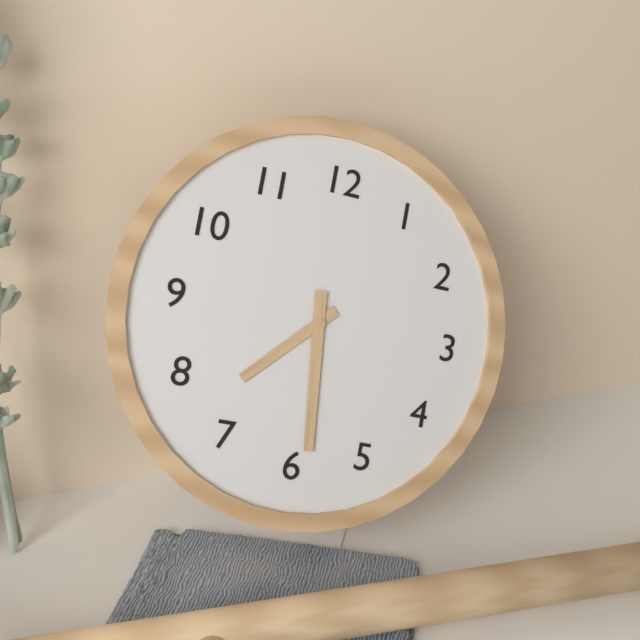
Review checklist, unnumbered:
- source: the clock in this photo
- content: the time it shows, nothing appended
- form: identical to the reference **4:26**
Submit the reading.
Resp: **7:29**
